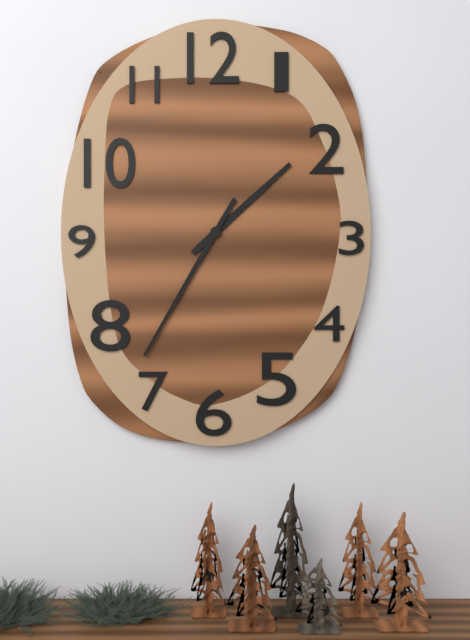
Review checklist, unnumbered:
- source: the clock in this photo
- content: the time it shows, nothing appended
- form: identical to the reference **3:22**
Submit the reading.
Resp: **1:35**
